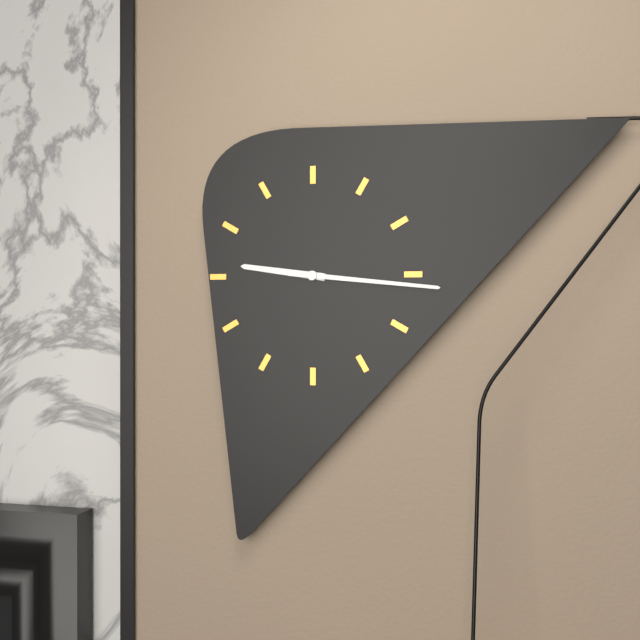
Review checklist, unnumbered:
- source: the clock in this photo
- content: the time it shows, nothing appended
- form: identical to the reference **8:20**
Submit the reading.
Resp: **9:16**
